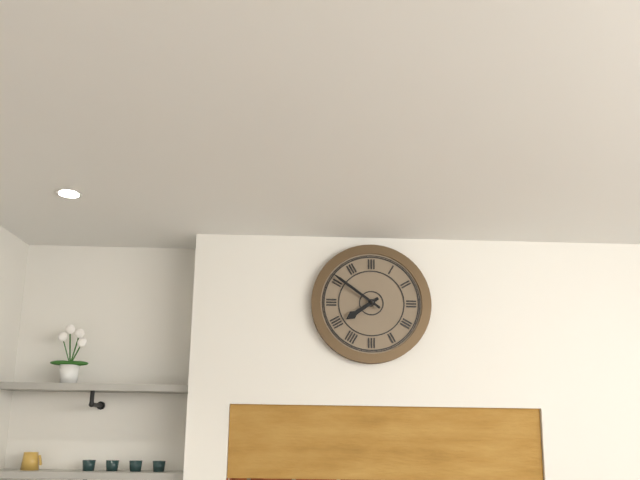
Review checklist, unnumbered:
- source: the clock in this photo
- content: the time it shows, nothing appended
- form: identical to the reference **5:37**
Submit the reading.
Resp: **7:51**
